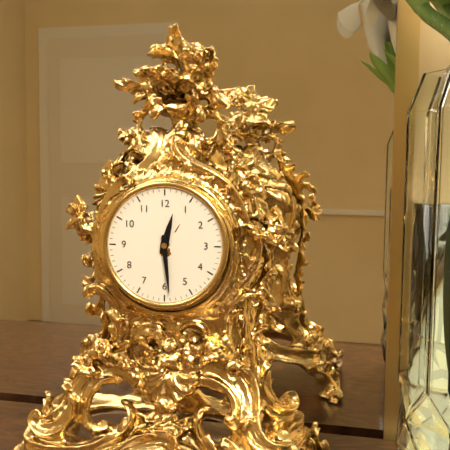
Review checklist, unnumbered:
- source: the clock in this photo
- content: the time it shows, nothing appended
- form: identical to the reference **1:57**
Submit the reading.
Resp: **12:29**
